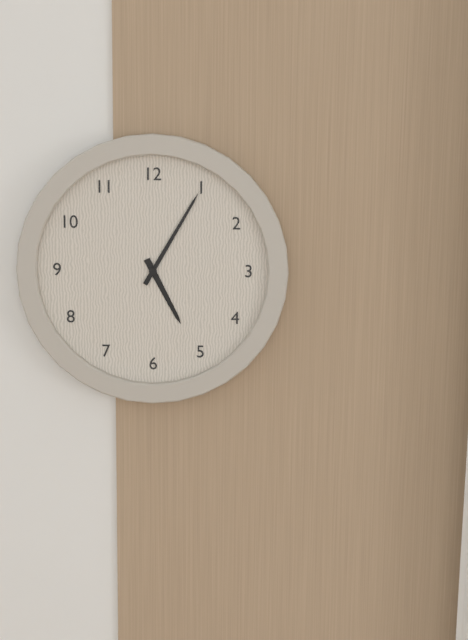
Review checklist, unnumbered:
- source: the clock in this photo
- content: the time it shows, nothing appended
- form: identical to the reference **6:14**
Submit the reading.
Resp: **5:05**
